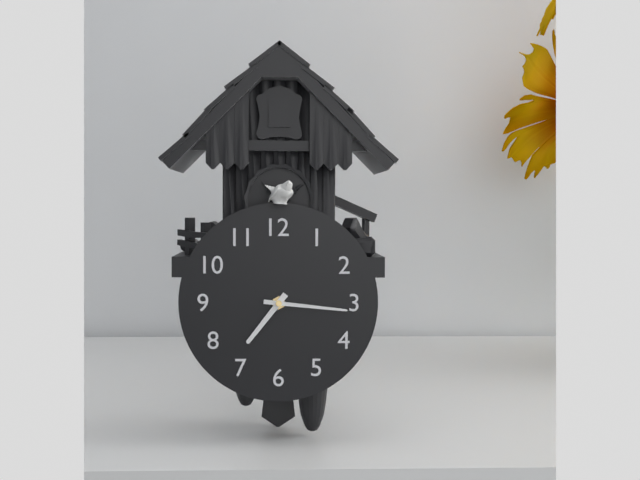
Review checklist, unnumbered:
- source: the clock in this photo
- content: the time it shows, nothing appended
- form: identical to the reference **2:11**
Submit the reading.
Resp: **7:16**
